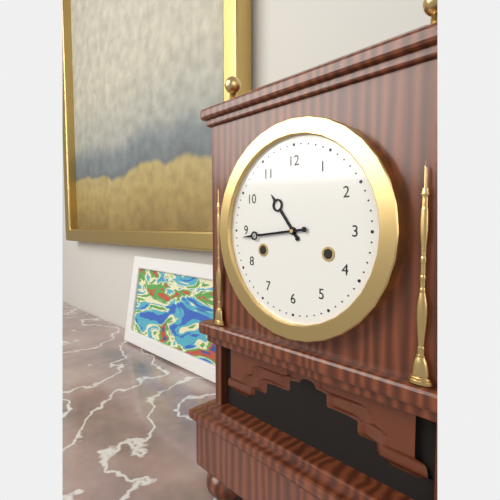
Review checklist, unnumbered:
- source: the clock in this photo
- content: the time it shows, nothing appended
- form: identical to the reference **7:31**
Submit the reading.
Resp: **10:44**
